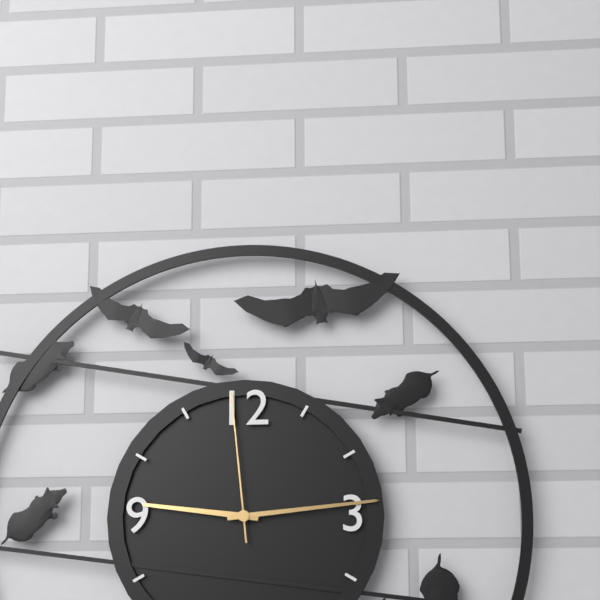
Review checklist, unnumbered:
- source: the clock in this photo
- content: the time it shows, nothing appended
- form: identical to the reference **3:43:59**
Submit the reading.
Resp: **9:14:59**
